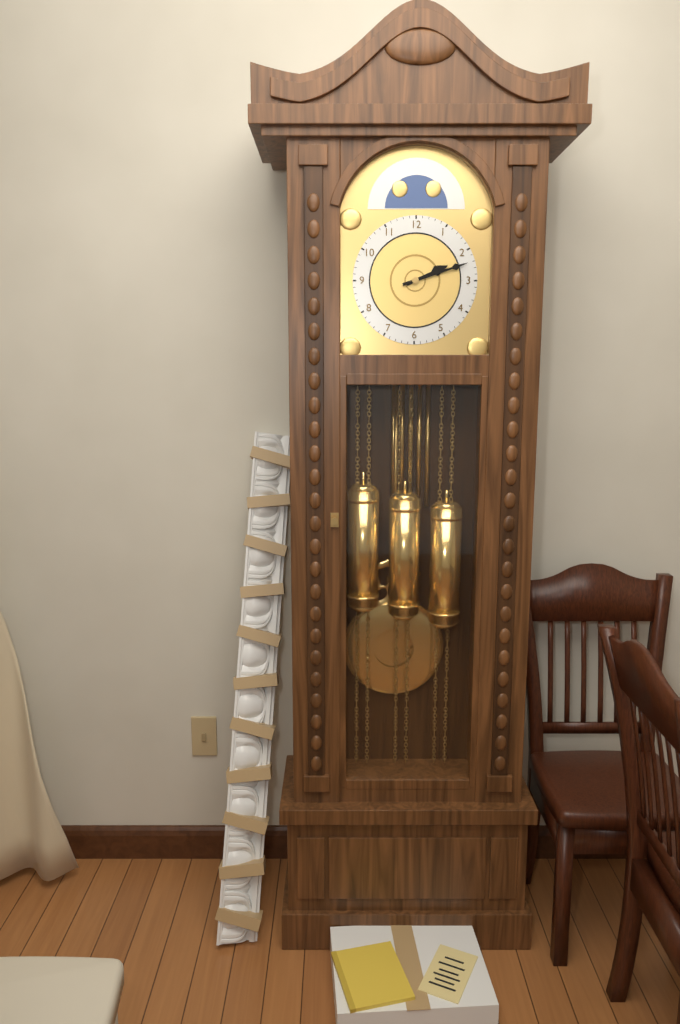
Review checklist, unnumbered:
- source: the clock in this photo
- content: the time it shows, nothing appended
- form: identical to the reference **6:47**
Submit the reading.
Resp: **2:12**
